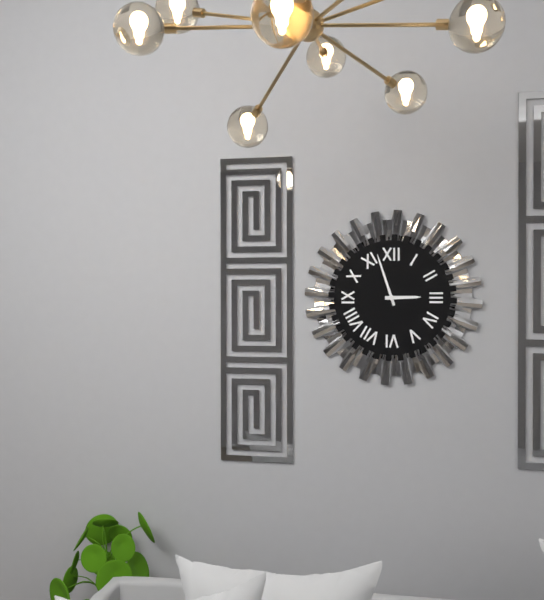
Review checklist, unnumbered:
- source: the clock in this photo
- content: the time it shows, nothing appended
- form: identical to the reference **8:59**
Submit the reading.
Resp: **2:57**
